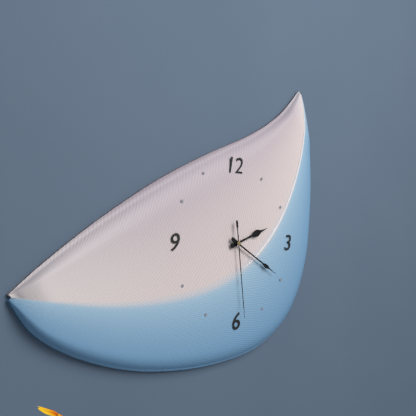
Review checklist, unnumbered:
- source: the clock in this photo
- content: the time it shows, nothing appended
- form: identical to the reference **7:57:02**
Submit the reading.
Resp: **2:20:29**
